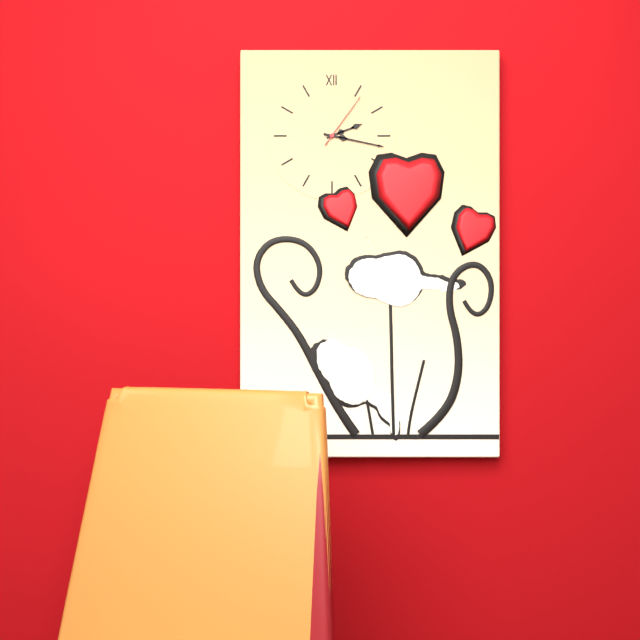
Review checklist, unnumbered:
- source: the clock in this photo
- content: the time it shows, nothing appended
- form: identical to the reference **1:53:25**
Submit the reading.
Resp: **2:17:06**
